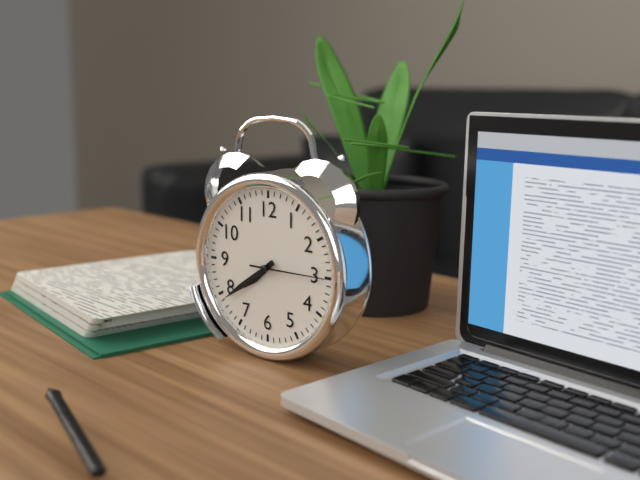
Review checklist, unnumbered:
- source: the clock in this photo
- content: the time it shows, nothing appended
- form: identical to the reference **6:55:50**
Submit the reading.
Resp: **7:39:15**
